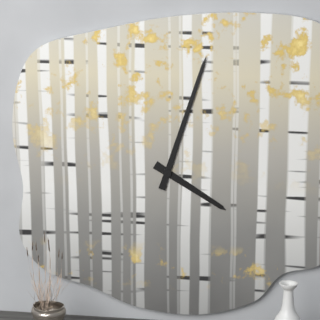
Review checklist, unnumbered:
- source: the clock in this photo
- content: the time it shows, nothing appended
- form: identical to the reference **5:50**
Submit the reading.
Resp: **4:03**
